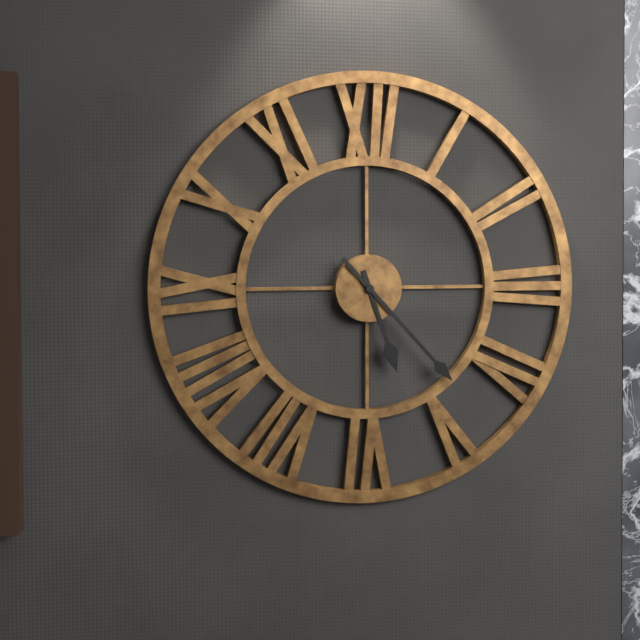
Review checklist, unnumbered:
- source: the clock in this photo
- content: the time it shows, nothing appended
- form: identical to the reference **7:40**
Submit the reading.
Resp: **5:23**
